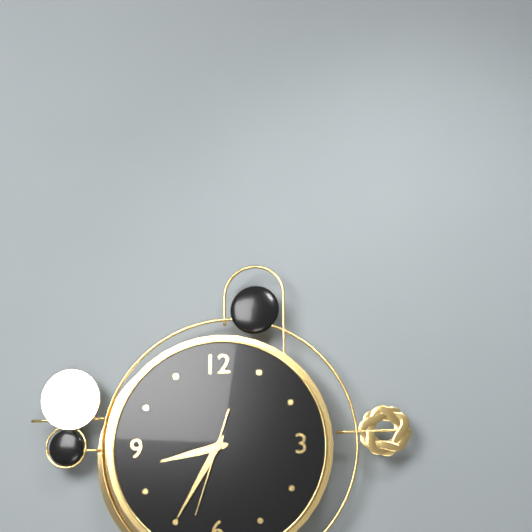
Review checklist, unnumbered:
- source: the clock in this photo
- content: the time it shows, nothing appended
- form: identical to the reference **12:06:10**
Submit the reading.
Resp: **8:35:33**
